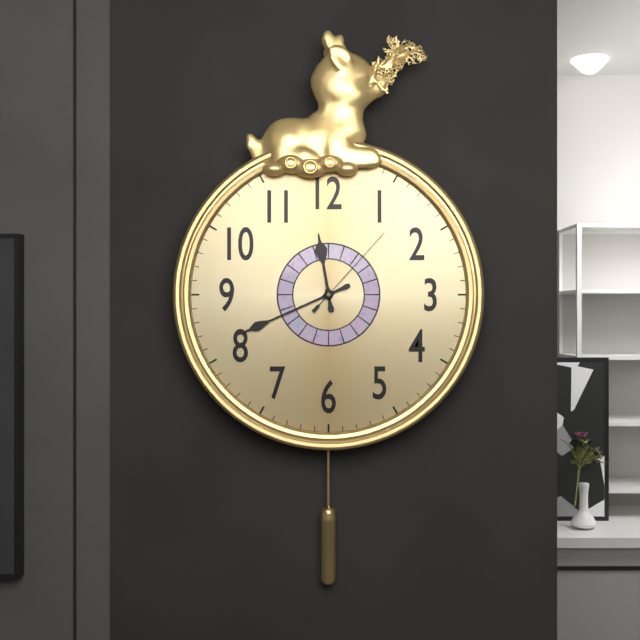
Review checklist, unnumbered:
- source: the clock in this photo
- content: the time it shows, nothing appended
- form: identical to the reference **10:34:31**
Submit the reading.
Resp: **11:41:07**
